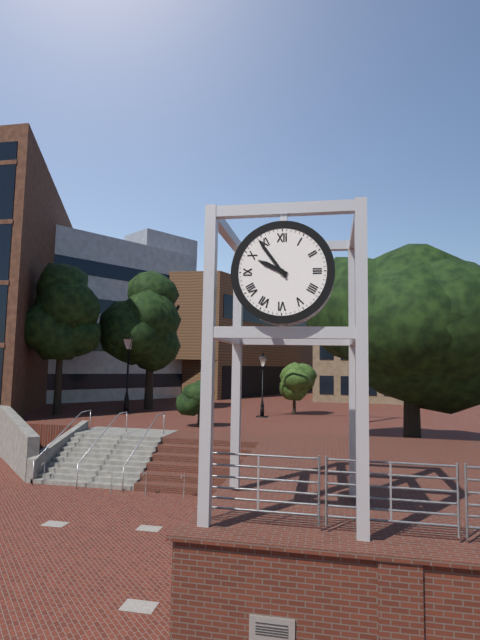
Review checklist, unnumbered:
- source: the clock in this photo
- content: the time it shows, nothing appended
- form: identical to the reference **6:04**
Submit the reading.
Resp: **9:54**
